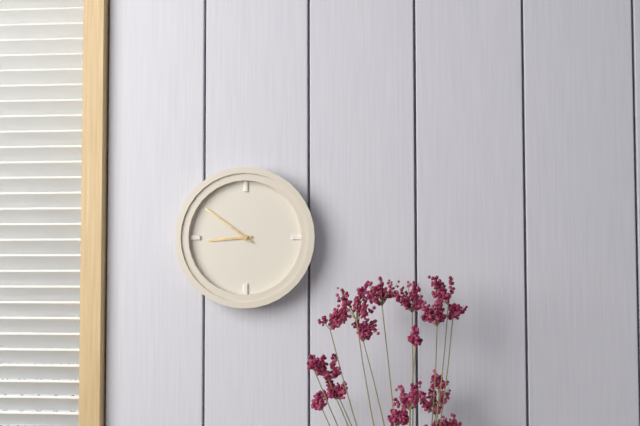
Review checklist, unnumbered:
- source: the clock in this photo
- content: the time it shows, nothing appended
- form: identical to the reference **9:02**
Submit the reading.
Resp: **8:51**
